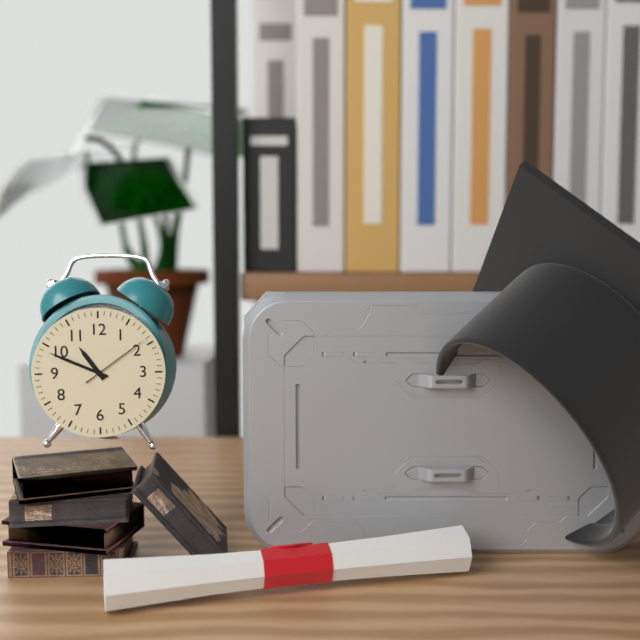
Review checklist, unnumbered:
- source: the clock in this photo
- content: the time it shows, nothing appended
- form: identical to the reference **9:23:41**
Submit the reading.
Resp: **10:49:09**
